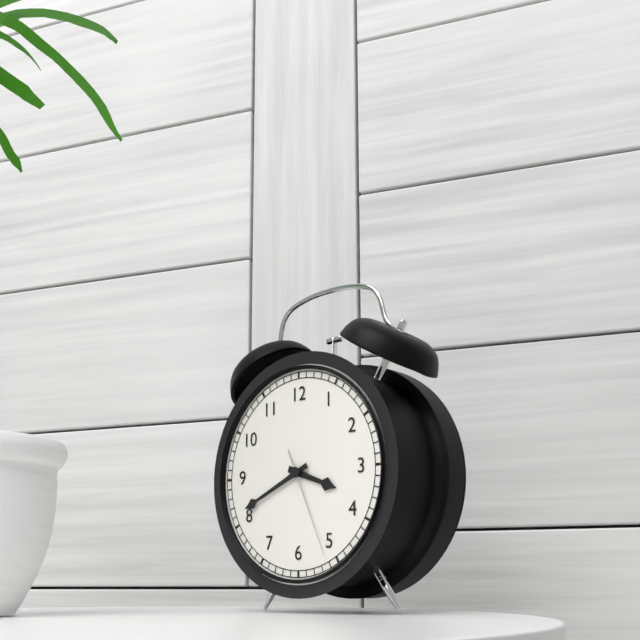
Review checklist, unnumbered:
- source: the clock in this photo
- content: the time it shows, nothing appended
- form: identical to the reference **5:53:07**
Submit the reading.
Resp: **3:41:26**
